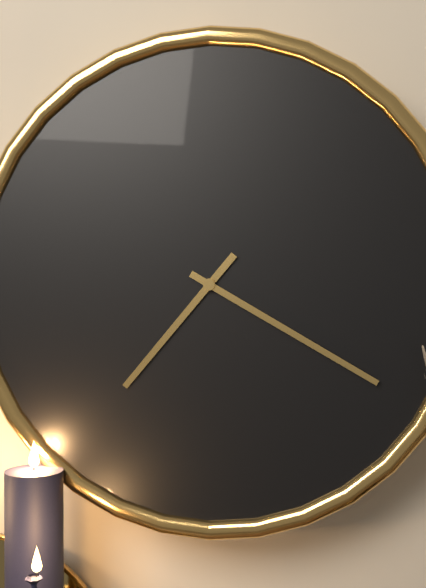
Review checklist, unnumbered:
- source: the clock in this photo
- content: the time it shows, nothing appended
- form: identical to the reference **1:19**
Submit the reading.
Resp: **7:20**
